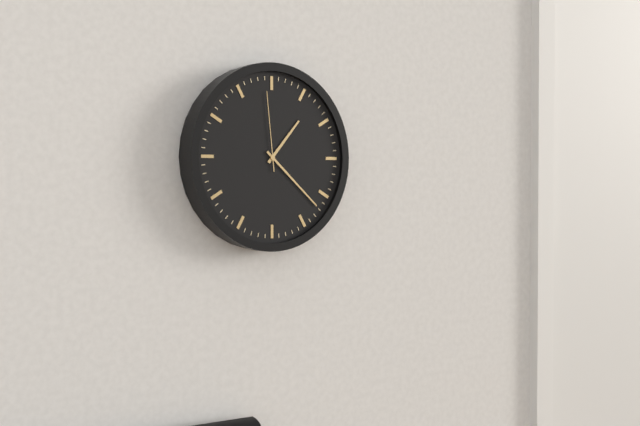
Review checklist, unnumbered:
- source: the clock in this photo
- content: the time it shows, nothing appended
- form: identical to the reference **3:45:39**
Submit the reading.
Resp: **1:22:59**
